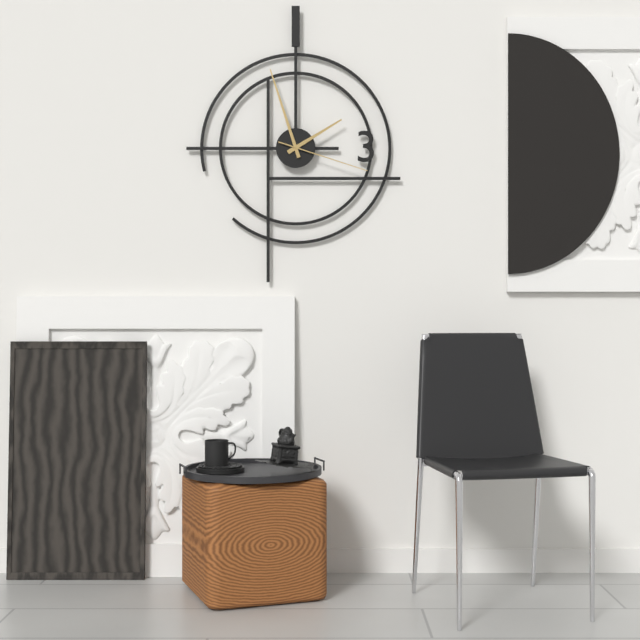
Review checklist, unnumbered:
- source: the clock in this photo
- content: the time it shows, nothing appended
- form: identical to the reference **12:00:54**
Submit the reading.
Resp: **1:57:18**
